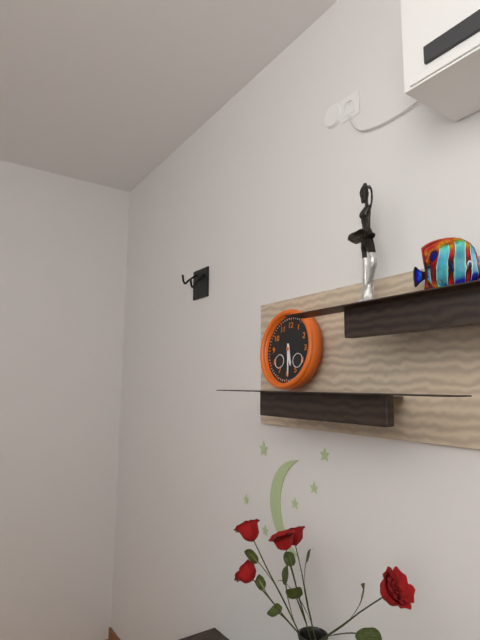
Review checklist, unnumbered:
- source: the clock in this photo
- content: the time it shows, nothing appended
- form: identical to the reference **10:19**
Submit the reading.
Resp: **5:29**
